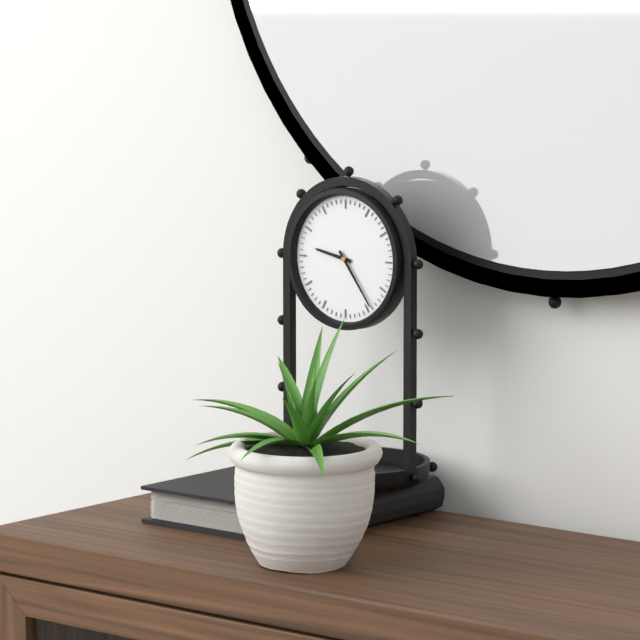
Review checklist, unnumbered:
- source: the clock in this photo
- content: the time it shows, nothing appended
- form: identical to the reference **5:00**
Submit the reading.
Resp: **9:24**
